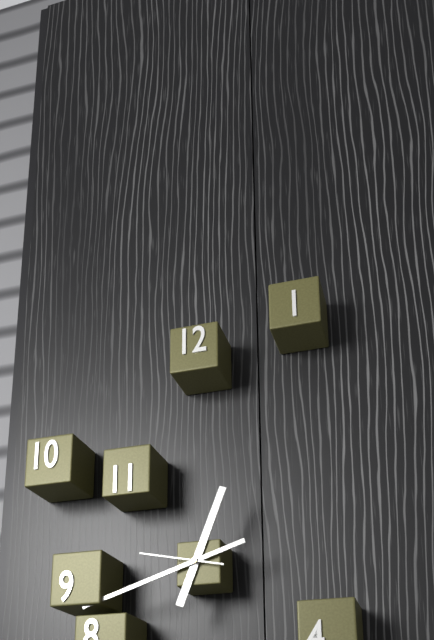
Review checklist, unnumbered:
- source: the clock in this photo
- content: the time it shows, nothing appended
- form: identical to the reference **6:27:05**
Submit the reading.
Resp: **12:42:47**
